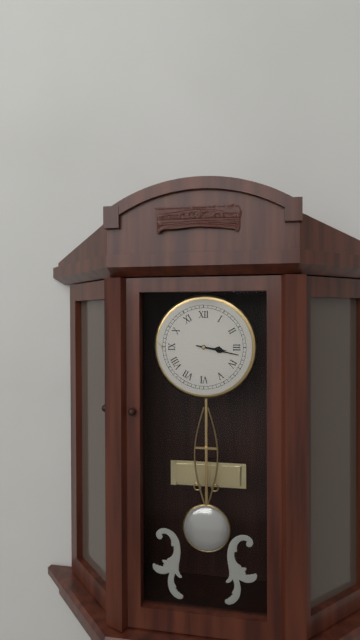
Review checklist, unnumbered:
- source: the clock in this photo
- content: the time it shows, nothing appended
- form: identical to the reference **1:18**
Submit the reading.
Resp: **3:17**
